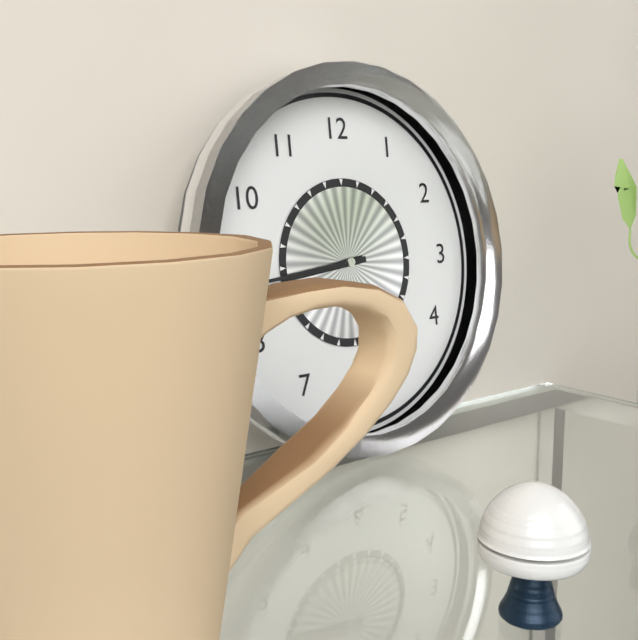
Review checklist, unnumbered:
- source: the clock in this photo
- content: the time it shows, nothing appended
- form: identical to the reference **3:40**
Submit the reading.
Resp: **8:44**
